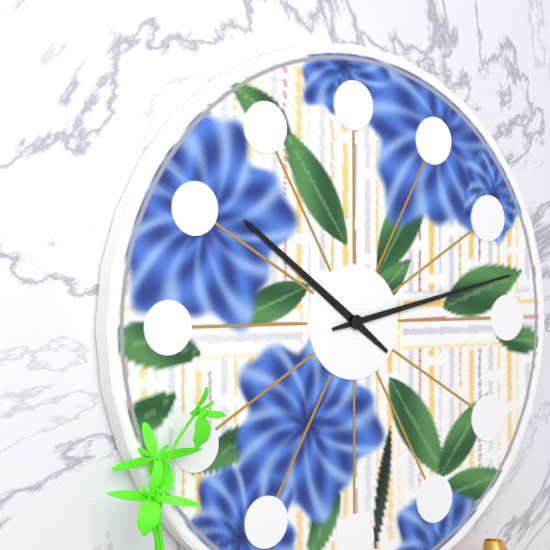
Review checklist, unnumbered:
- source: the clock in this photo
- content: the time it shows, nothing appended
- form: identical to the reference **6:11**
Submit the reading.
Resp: **10:13**
